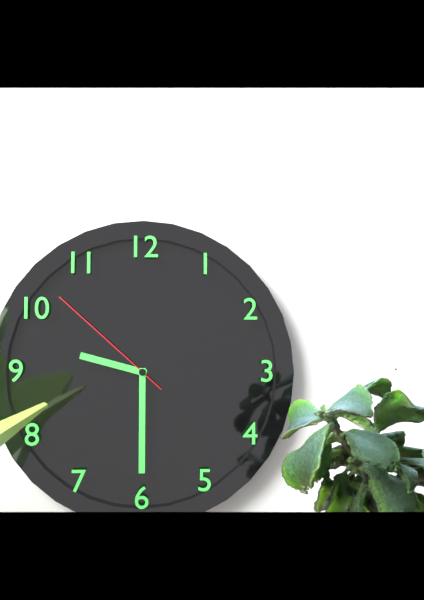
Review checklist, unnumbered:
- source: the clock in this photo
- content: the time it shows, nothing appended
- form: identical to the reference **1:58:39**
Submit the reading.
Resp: **9:30:52**
